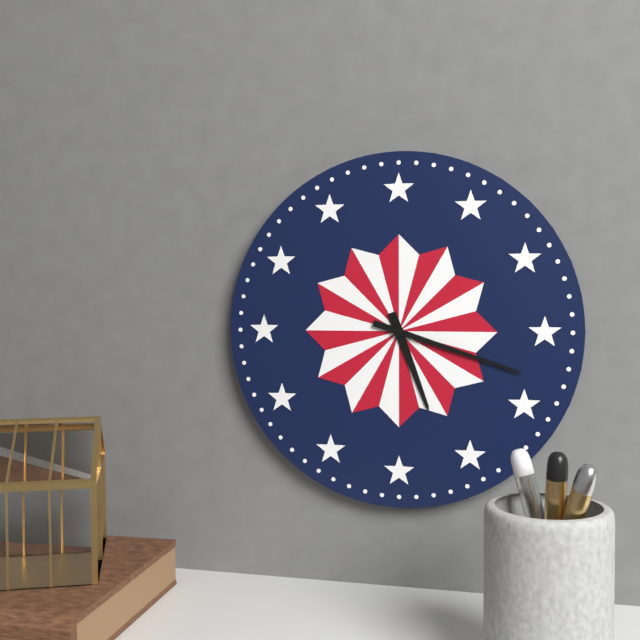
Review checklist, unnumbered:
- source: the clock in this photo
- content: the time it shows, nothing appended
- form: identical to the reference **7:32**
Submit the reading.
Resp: **5:18**
